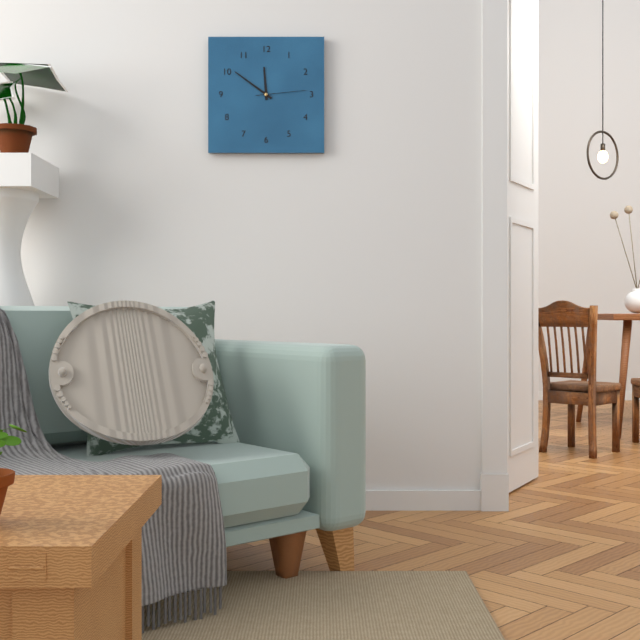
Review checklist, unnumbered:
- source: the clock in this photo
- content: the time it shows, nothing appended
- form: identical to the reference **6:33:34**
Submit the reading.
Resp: **11:51:14**
